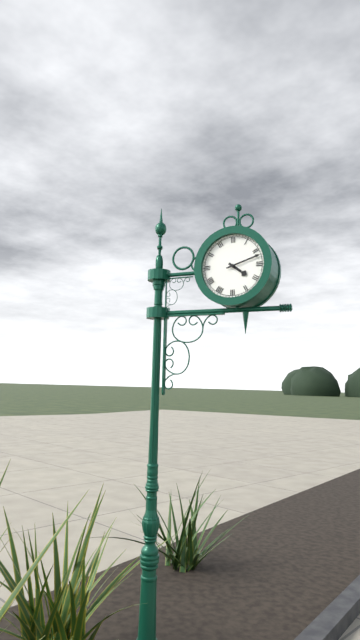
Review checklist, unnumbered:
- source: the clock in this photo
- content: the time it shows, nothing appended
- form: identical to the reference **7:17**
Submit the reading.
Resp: **4:12**
